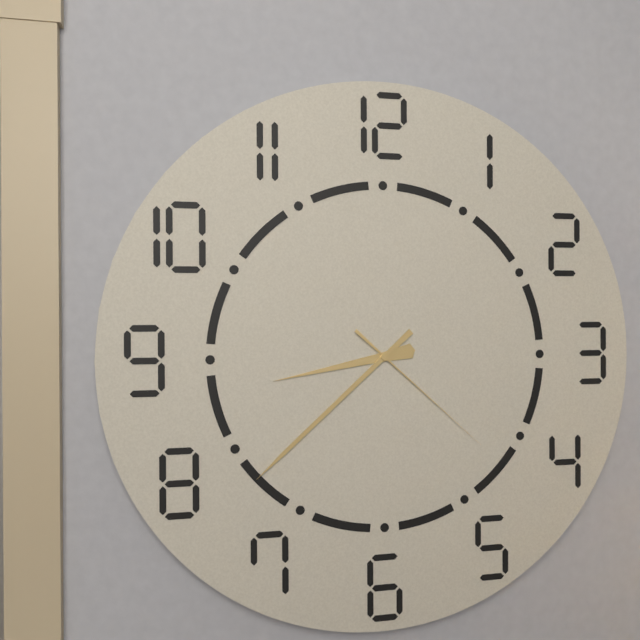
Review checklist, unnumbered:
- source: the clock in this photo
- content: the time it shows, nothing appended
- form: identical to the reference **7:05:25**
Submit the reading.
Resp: **8:38:22**
